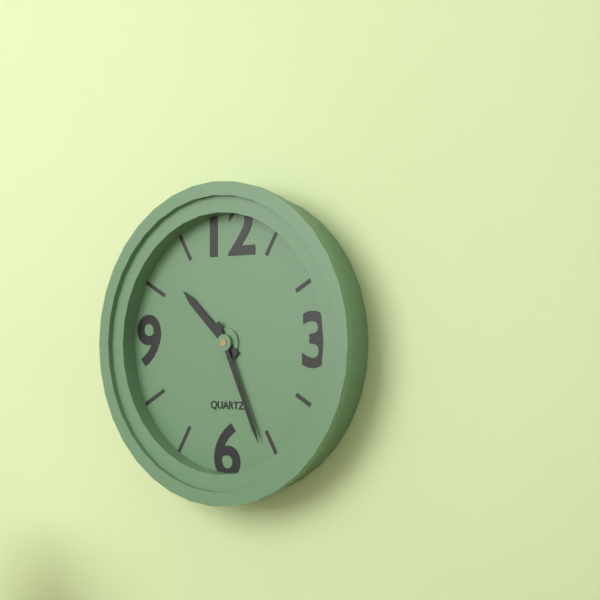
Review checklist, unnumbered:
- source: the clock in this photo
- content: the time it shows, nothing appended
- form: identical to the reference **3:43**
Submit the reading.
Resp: **10:26**
